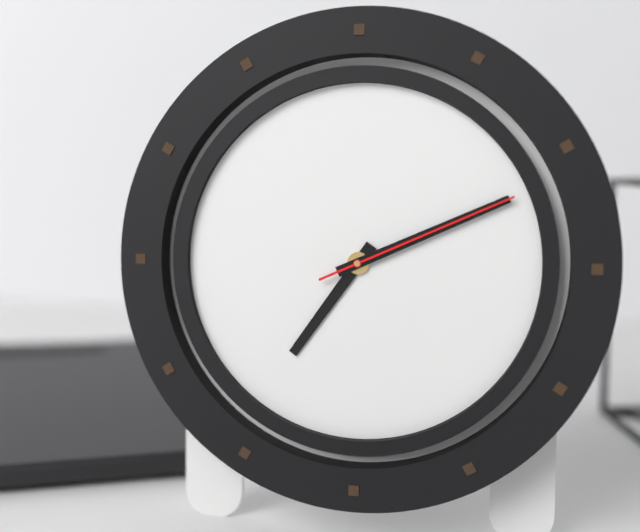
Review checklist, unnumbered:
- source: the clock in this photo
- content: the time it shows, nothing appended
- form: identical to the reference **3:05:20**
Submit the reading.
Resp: **7:11:11**
